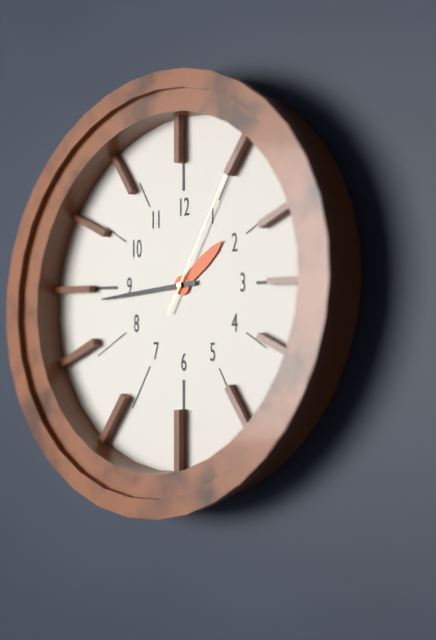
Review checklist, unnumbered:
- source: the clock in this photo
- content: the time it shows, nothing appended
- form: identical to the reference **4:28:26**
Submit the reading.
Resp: **1:44:05**
